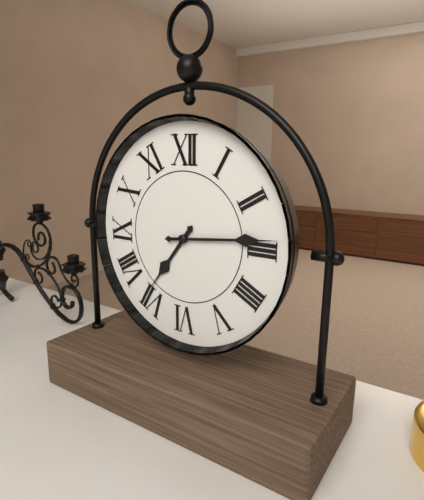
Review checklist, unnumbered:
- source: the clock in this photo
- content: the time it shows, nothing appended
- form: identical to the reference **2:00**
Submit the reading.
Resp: **7:14**
